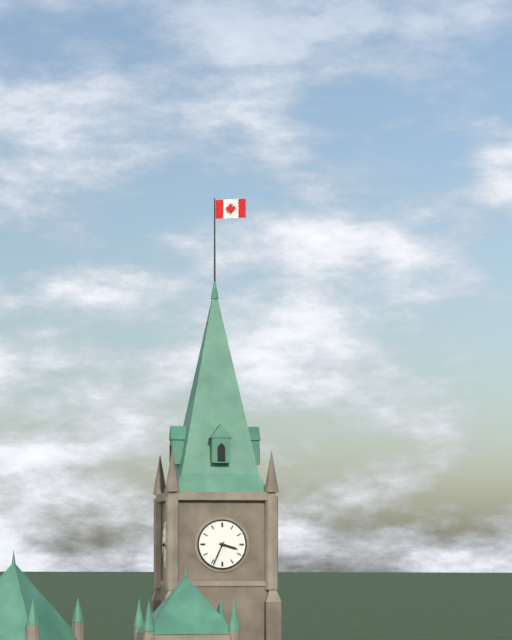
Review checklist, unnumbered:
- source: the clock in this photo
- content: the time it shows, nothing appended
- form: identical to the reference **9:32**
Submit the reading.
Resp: **3:34**
